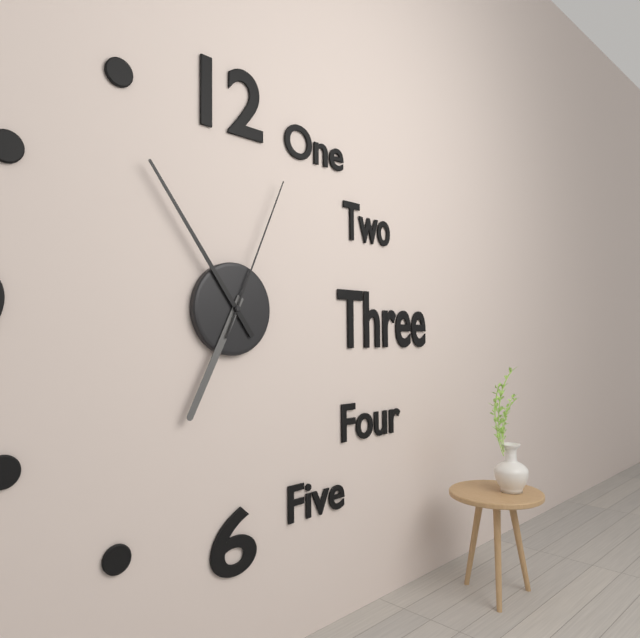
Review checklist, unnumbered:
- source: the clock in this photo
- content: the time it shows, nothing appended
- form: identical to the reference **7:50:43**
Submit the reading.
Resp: **6:54:04**
